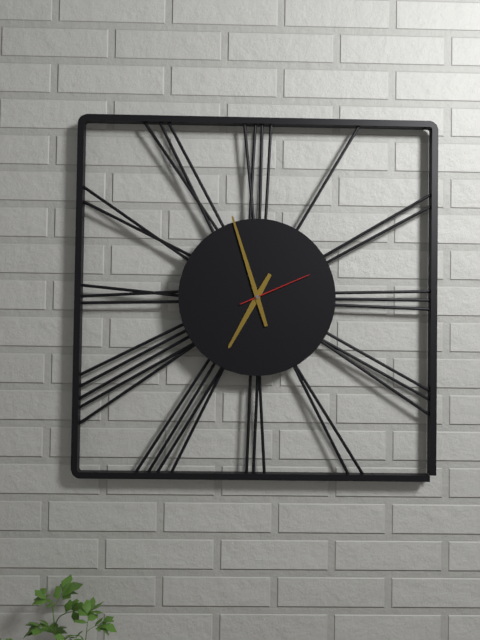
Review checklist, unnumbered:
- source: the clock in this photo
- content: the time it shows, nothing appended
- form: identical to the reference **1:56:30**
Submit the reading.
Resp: **6:57:11**
